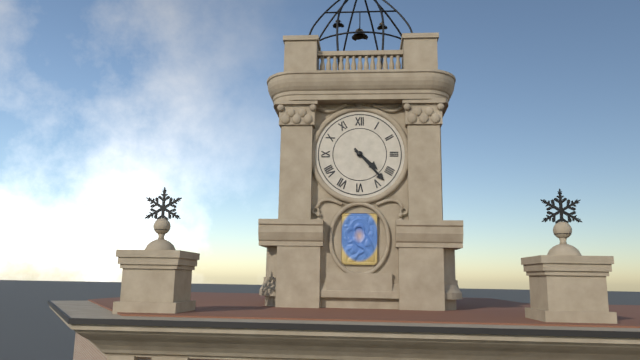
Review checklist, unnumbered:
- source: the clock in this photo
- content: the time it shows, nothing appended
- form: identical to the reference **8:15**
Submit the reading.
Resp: **4:23**
